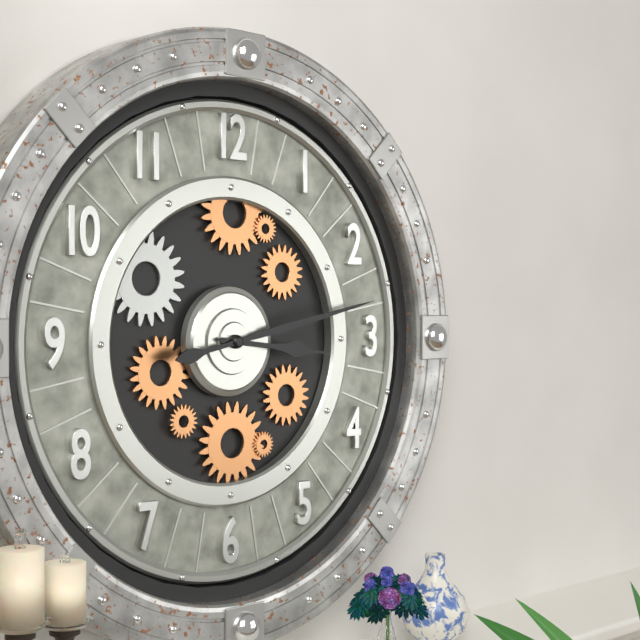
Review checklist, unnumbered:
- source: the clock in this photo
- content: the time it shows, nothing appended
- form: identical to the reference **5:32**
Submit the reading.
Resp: **3:13**
